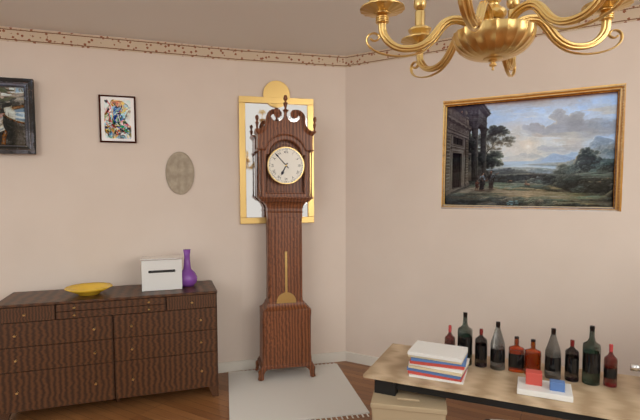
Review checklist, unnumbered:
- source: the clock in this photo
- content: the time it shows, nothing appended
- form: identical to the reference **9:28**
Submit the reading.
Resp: **6:53**
